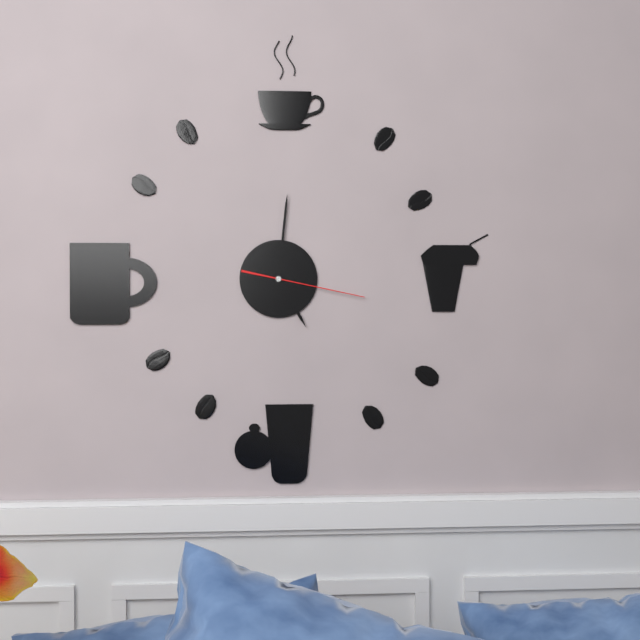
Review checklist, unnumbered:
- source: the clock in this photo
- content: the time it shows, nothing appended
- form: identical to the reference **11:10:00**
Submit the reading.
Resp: **5:01:17**
